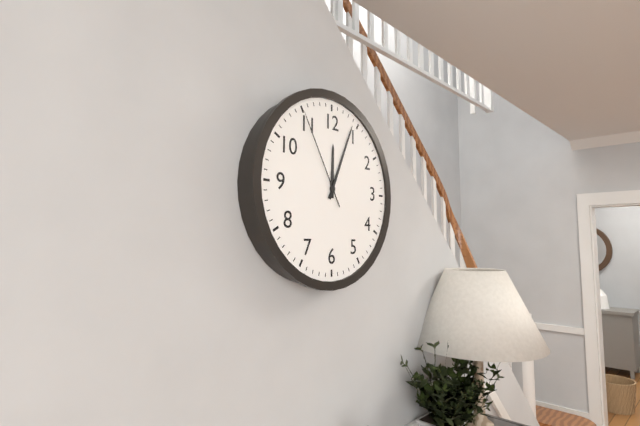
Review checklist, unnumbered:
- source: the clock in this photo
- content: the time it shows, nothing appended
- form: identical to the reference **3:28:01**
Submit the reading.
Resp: **12:04:55**
